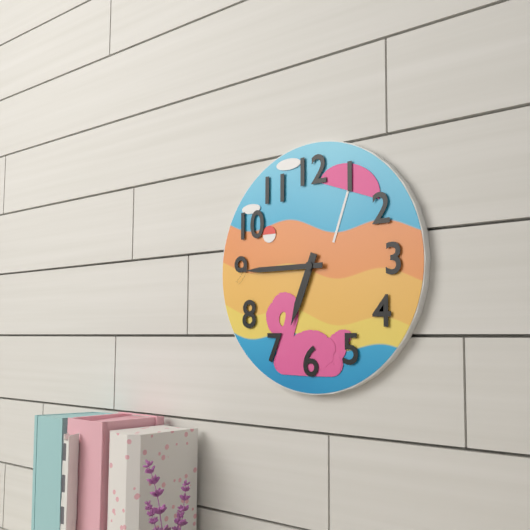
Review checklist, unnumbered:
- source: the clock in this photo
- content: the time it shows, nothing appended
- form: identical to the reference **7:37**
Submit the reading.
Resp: **6:45**
